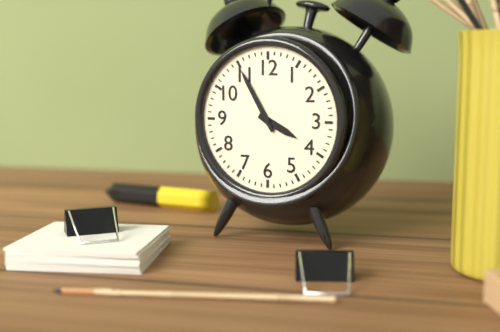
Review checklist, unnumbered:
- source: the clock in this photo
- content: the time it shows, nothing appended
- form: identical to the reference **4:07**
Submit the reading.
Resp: **3:55**
